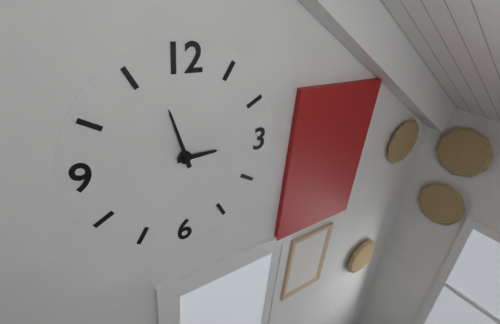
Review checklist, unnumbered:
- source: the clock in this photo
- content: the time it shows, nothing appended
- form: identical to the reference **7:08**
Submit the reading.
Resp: **2:57**
